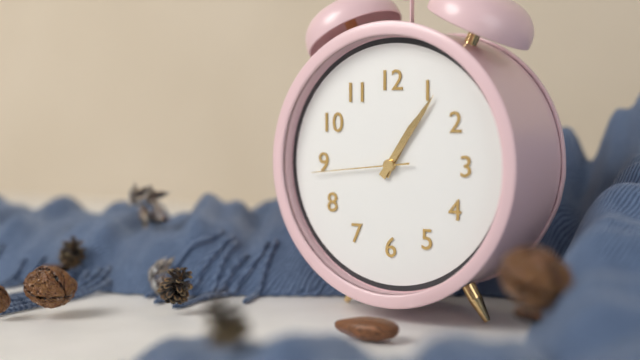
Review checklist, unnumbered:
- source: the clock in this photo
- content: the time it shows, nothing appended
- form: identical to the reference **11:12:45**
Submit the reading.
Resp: **1:06:44**
